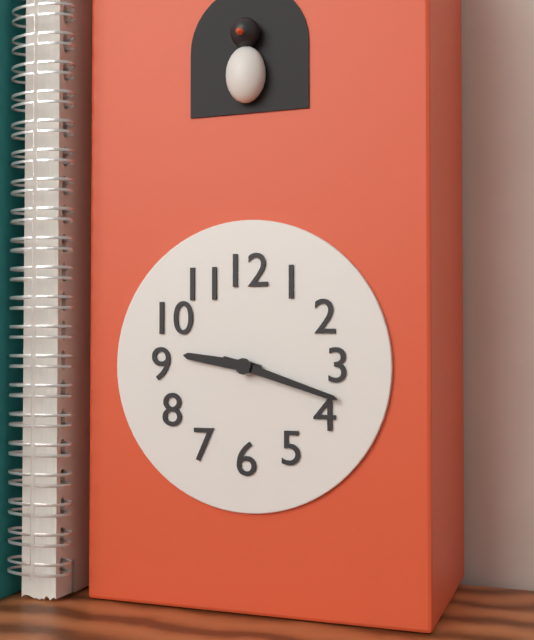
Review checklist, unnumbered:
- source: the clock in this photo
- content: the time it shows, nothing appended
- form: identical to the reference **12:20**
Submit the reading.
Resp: **9:18**
